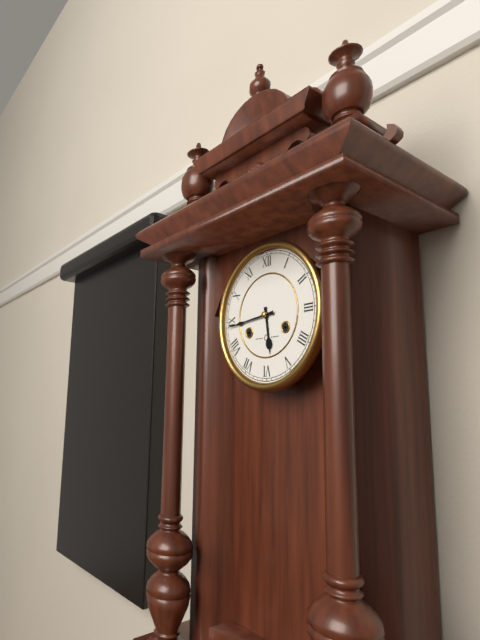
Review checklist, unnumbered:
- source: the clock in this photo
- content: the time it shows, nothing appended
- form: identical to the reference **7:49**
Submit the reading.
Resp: **5:44**
